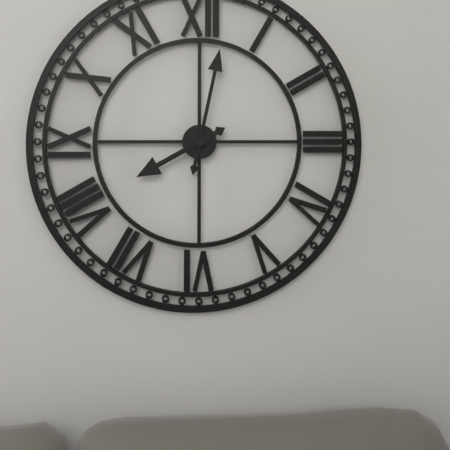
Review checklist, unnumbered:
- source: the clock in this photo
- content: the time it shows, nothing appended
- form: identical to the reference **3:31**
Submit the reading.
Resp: **8:02**
